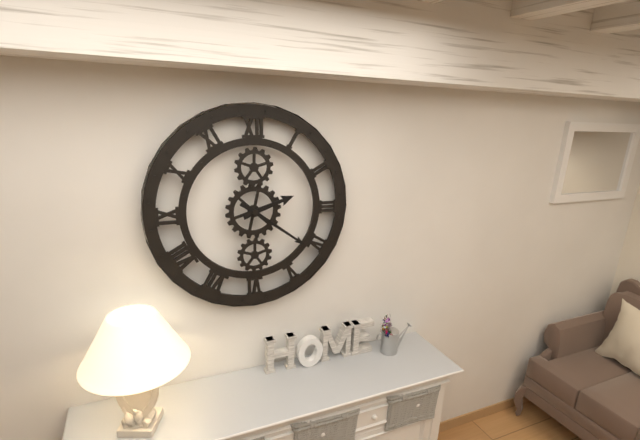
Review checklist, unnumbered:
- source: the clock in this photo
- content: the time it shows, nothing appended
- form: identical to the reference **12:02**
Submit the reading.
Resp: **2:21**
